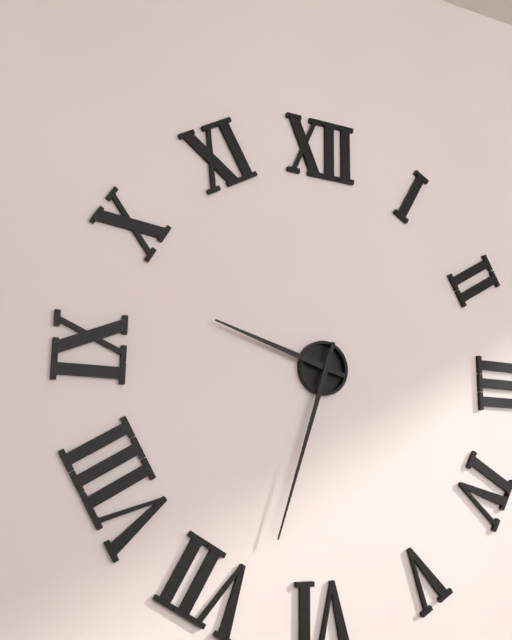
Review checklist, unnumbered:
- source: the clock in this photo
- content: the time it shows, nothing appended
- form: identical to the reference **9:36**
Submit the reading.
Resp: **9:33**
